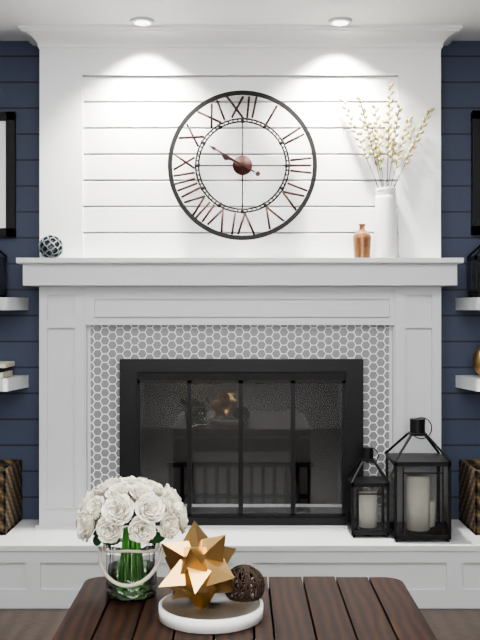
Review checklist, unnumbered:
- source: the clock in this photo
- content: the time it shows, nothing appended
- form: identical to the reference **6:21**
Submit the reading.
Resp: **9:50**
